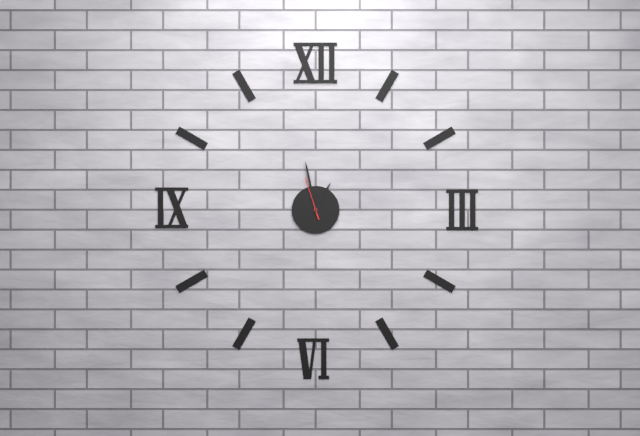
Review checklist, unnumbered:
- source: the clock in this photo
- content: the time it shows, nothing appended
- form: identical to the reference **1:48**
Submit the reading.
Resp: **12:58**
